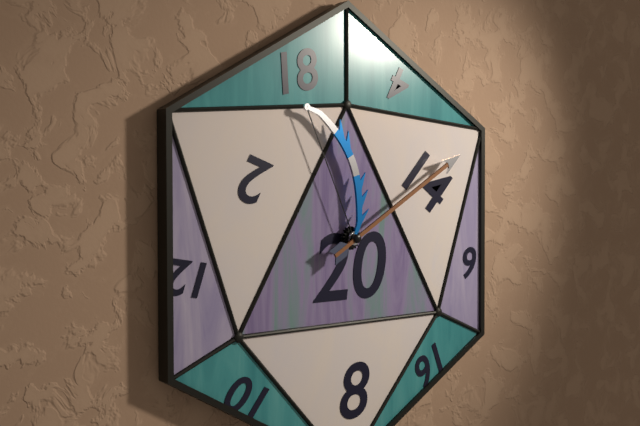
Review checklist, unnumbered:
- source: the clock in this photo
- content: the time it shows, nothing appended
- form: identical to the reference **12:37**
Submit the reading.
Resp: **11:10**
